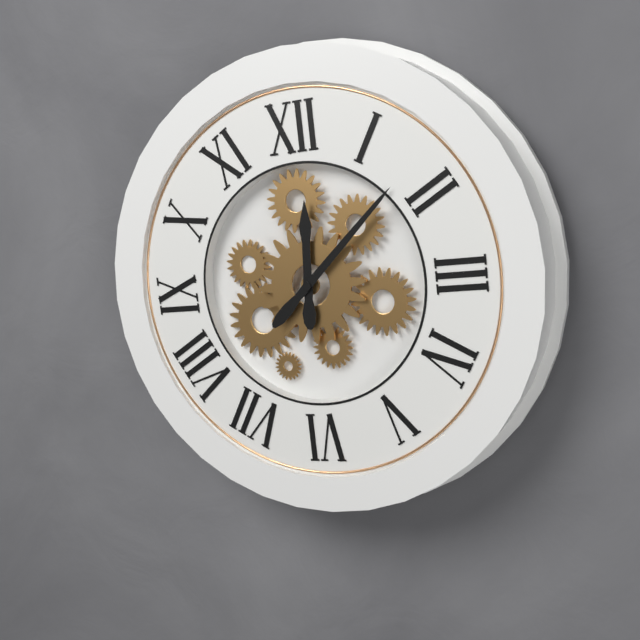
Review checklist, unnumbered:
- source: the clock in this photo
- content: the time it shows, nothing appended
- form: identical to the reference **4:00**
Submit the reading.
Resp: **12:08**
